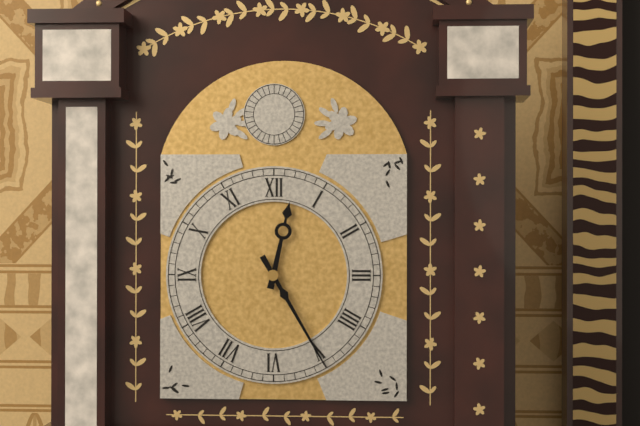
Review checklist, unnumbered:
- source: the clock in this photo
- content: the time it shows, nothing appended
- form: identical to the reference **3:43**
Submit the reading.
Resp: **12:25**
